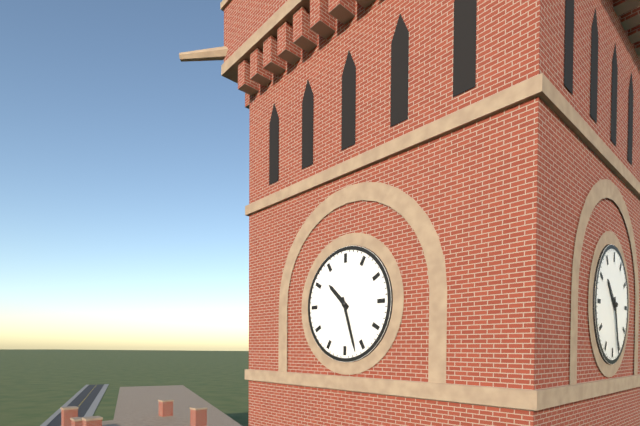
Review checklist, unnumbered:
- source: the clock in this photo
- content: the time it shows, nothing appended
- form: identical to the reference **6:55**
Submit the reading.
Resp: **10:27**
